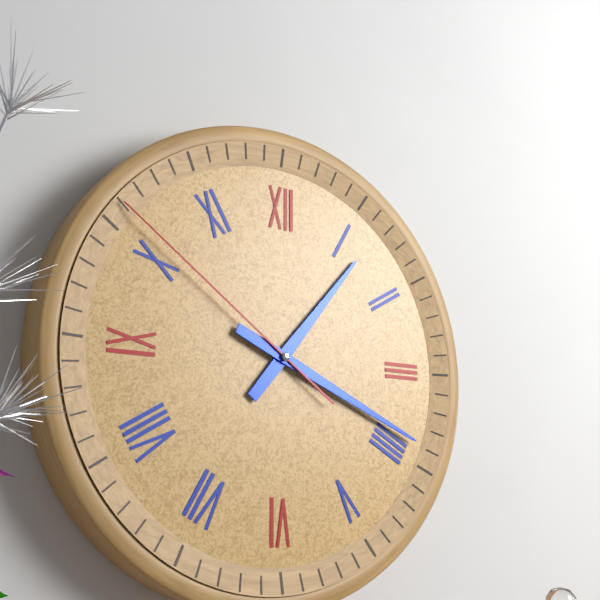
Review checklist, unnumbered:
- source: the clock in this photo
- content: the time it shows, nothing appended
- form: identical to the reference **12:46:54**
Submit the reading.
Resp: **1:19:51**
